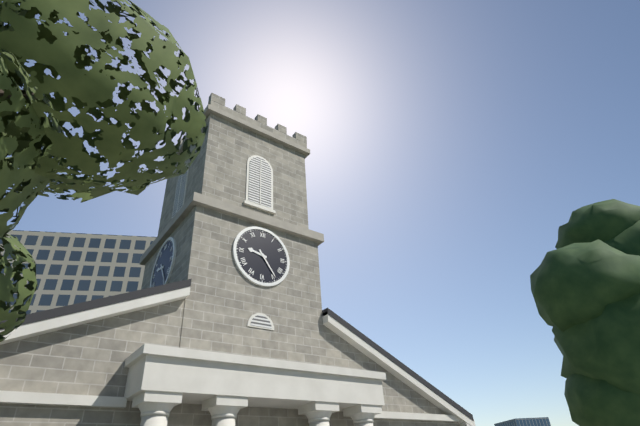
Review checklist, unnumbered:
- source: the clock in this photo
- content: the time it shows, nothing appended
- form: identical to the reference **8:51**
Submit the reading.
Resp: **9:24**
